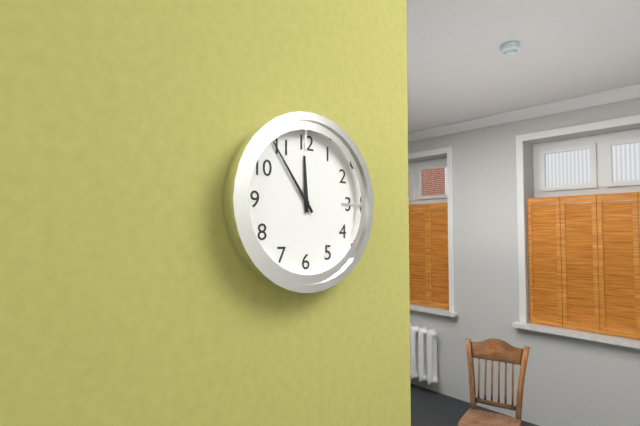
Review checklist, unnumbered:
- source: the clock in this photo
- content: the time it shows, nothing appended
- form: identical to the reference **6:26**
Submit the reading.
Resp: **11:54**
